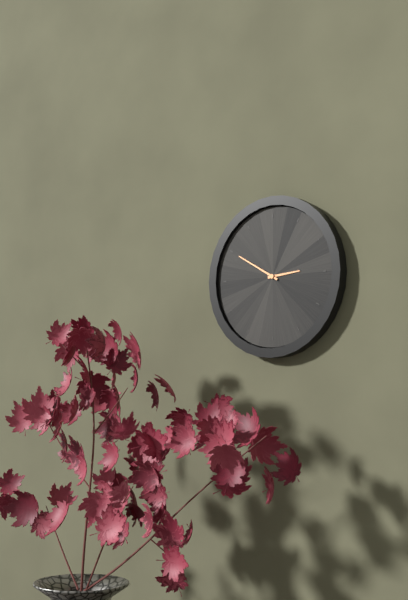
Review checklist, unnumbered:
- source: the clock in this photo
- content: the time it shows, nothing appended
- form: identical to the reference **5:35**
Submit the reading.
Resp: **2:50**
